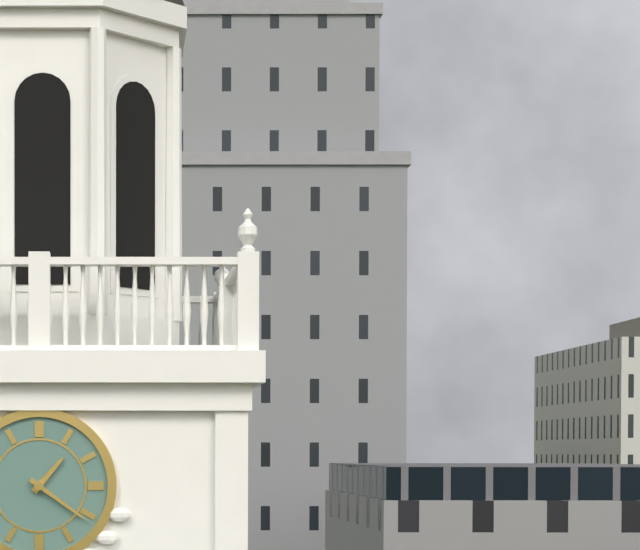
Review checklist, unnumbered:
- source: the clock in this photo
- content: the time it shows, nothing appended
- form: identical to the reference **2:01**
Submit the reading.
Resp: **1:21**
